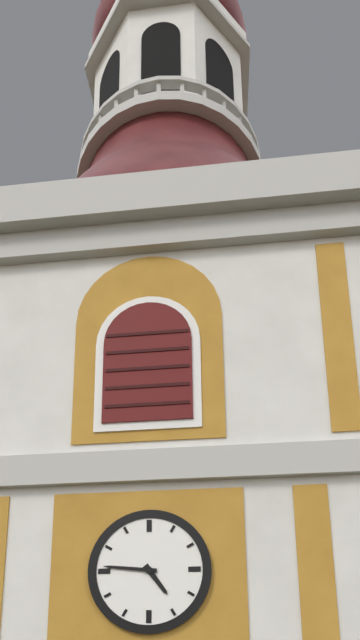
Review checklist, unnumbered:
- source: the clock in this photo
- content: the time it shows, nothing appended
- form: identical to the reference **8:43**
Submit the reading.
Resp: **4:46**
